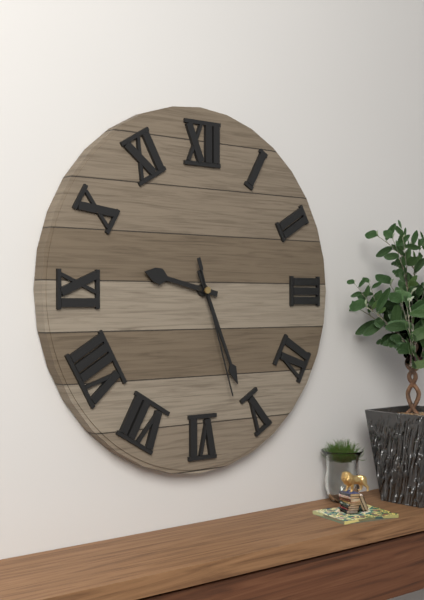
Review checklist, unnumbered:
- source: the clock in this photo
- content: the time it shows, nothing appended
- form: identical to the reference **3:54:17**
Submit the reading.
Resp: **9:26:27**
